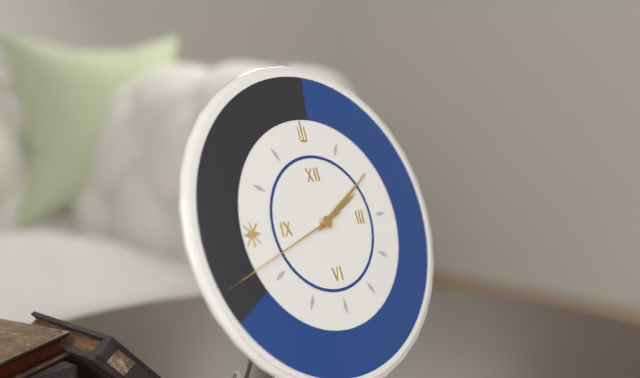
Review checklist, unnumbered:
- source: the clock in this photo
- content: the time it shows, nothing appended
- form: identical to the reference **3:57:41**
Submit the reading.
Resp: **2:10:42**
